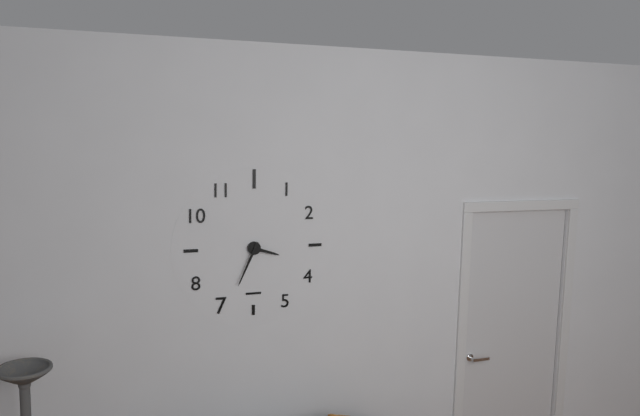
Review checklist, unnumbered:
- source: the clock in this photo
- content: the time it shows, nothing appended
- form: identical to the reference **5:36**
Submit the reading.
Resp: **3:34**
